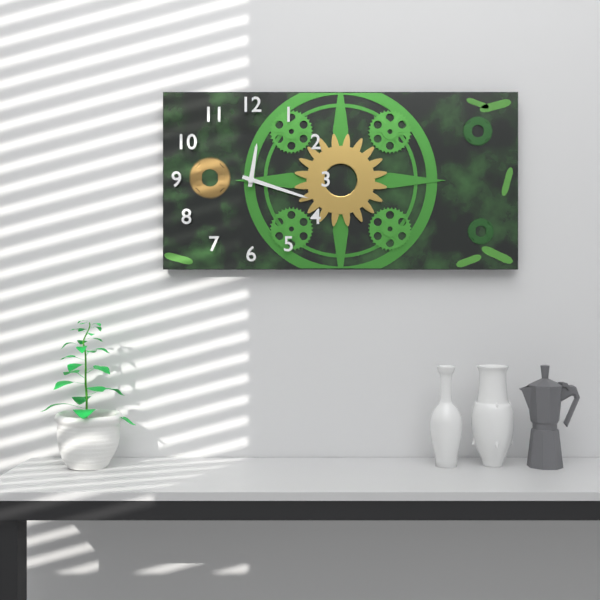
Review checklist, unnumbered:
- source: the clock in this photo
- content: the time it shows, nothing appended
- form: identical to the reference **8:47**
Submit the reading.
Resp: **12:18**
